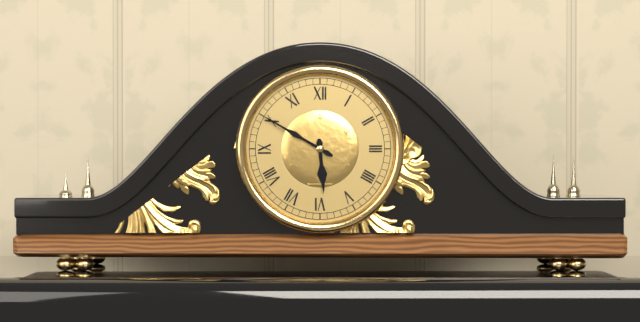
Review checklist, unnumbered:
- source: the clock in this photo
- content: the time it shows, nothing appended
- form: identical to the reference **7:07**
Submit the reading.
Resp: **5:50**
